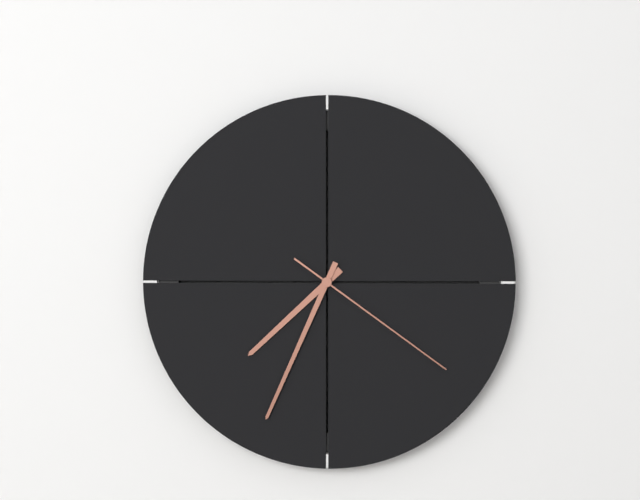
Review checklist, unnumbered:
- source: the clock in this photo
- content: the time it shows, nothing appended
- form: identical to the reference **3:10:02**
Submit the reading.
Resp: **7:34:21**
